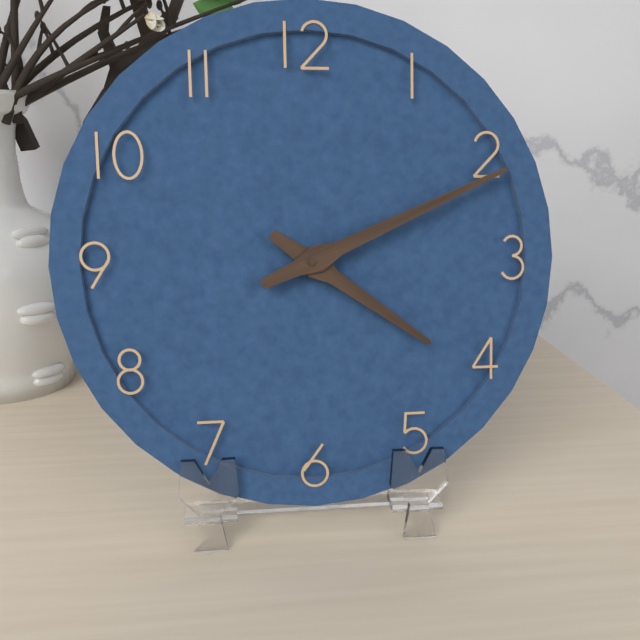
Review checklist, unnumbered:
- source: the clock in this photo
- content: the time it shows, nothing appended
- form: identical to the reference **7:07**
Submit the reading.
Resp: **4:11**
